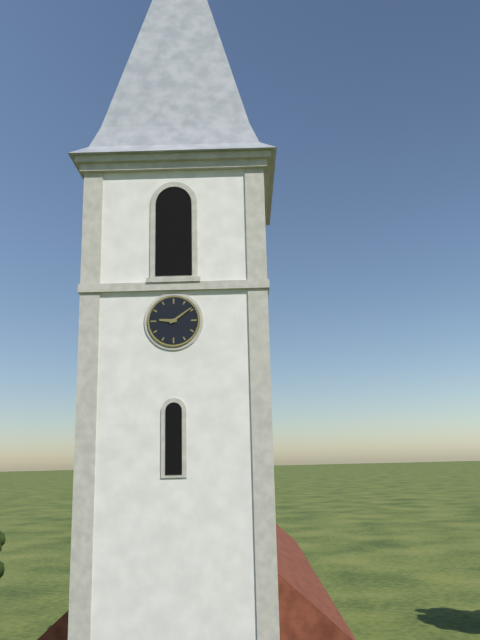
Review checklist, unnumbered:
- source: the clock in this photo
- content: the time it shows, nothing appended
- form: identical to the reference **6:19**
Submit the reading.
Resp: **9:09**
